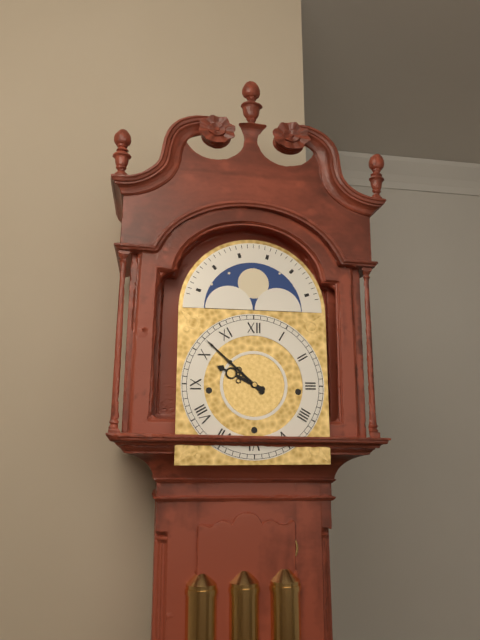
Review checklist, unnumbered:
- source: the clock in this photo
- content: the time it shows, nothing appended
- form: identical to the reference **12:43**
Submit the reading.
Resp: **9:52**
